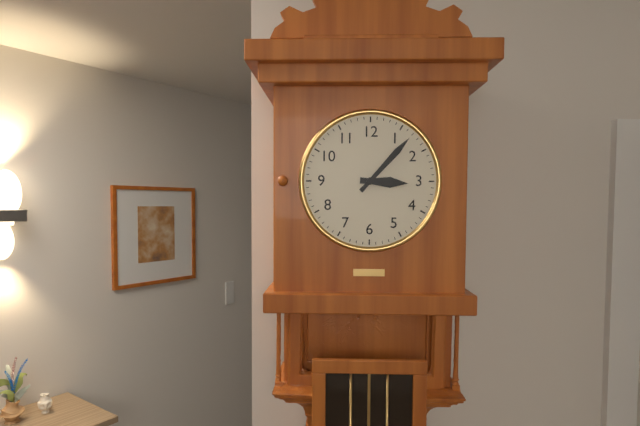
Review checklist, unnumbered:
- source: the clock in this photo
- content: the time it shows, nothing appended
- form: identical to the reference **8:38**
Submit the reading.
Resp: **3:07**
